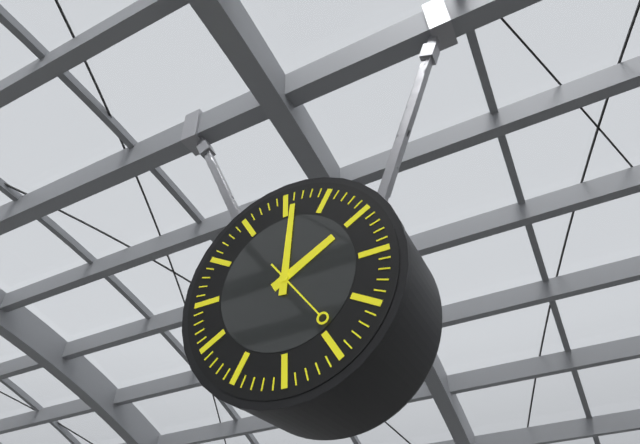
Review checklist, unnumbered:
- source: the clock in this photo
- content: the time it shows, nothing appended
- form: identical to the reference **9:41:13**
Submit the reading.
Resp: **2:01:24**
